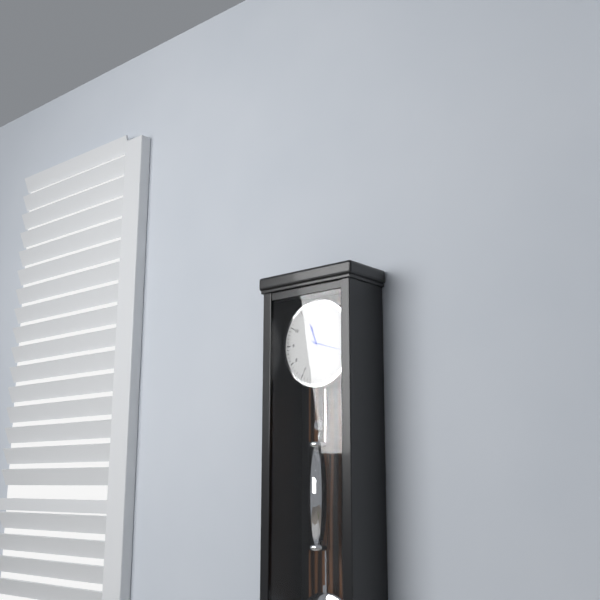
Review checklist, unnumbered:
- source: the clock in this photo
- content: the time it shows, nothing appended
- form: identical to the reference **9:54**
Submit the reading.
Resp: **11:18**
